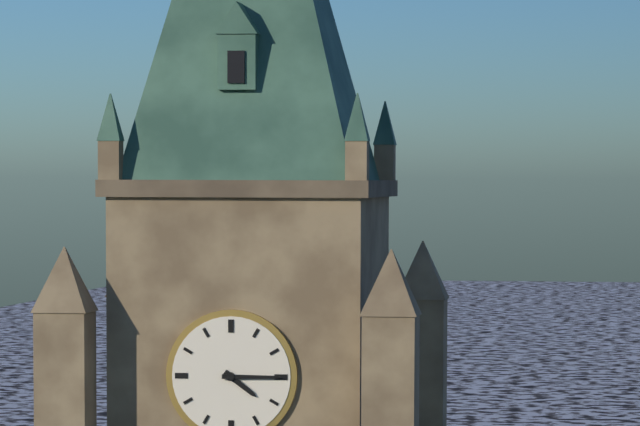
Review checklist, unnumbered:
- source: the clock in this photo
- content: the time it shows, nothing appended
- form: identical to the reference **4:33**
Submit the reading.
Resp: **4:15**
